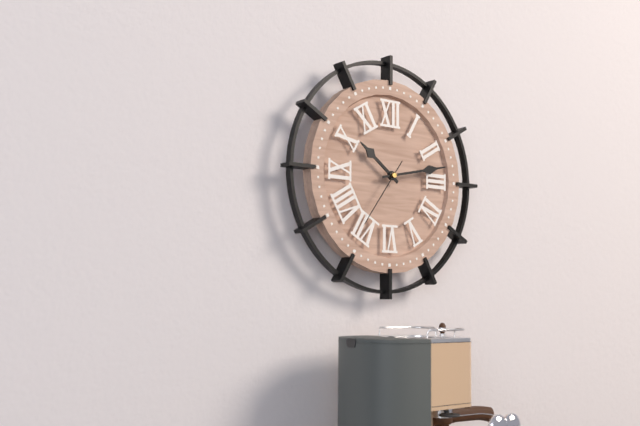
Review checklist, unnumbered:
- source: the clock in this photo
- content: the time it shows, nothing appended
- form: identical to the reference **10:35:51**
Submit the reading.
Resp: **10:13:36**
